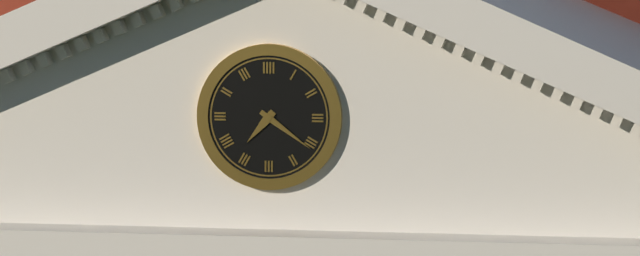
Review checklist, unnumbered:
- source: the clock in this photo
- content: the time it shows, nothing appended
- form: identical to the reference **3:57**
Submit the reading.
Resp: **7:21**
